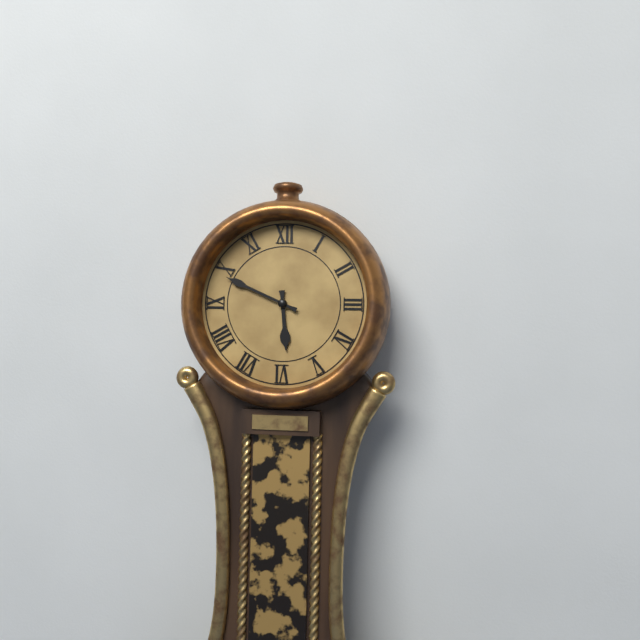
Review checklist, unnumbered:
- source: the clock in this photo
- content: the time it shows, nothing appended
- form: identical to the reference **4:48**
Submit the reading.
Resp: **5:49**
